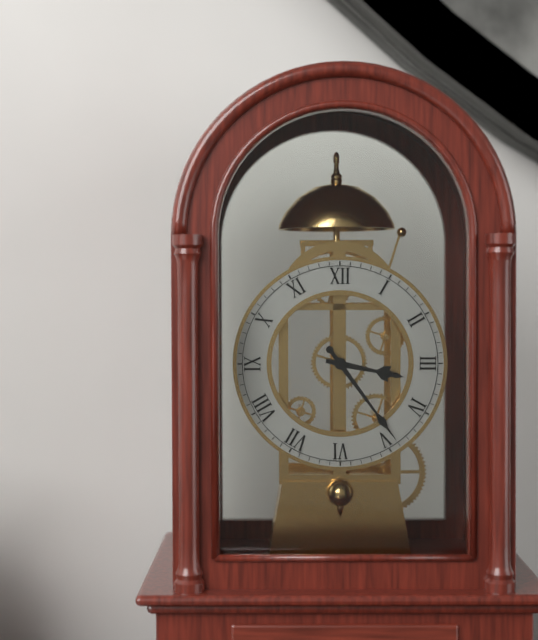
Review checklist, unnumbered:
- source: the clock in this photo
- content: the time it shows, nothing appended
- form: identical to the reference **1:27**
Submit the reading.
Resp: **3:24**
